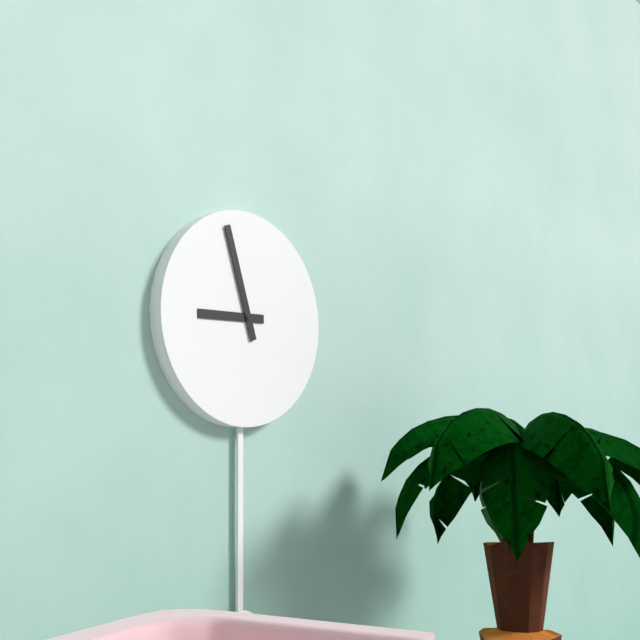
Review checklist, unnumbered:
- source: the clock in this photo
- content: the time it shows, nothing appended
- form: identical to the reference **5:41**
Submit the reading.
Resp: **8:57**
